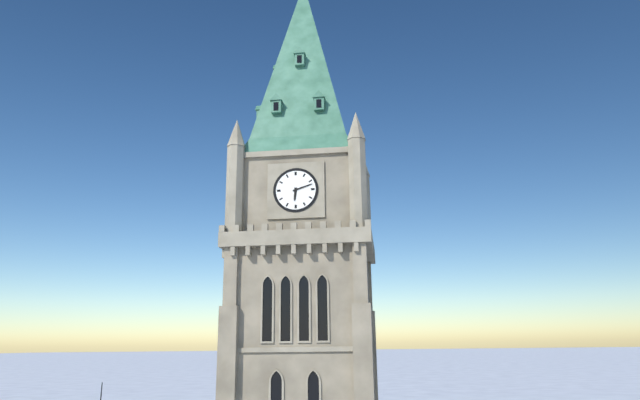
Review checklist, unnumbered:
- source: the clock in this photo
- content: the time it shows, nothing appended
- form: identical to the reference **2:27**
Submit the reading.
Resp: **6:12**
